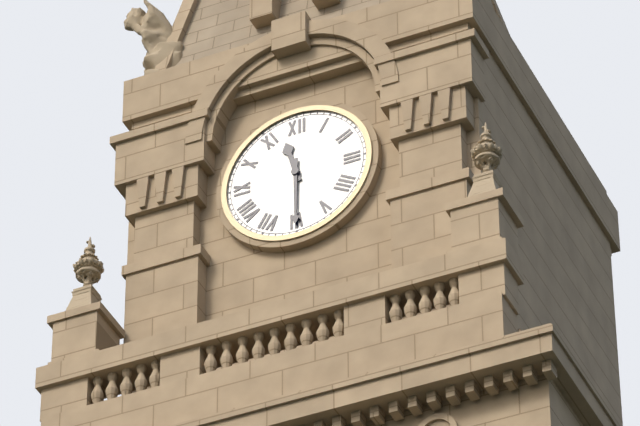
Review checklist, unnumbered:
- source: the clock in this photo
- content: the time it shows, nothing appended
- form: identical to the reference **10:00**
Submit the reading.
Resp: **11:30**
